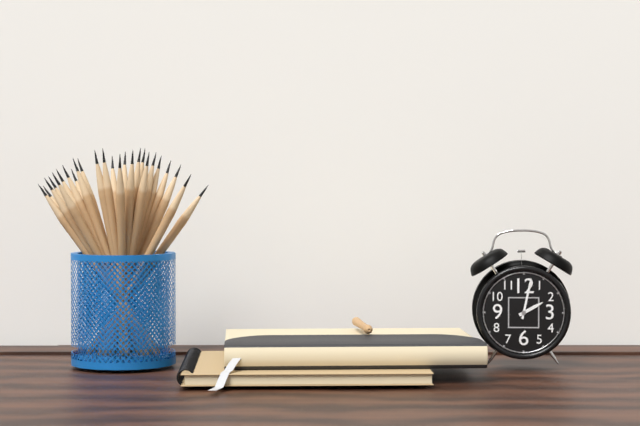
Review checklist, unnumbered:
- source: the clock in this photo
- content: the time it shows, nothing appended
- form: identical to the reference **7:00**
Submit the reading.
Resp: **2:02**
